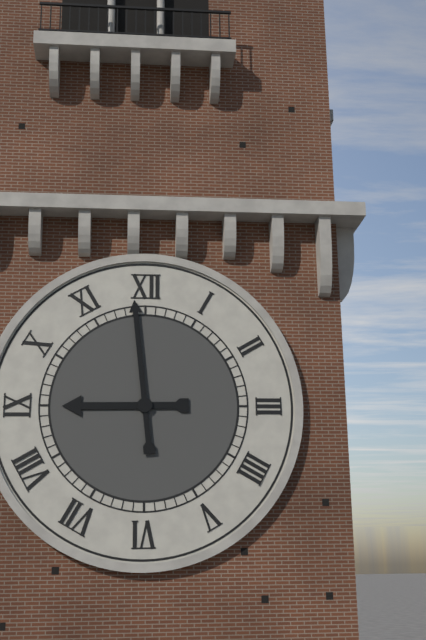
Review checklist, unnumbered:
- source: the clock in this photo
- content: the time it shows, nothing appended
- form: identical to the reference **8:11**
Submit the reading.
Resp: **8:59**
